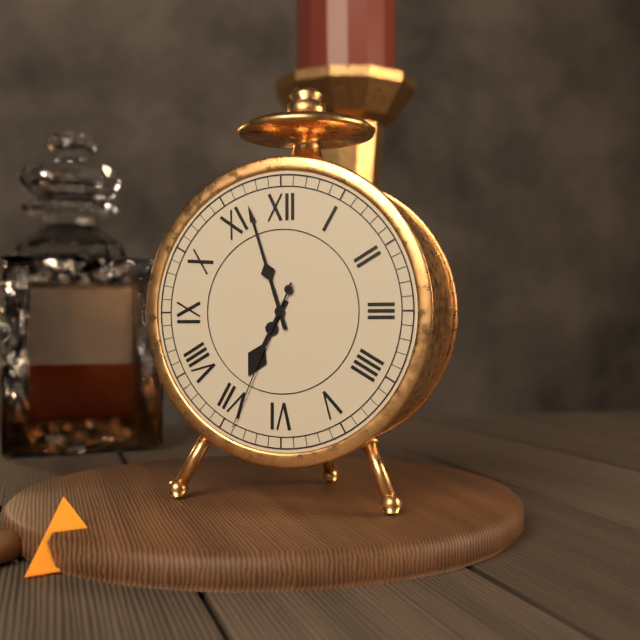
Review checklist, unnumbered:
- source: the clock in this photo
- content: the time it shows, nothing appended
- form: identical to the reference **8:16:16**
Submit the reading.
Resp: **6:57:34**
